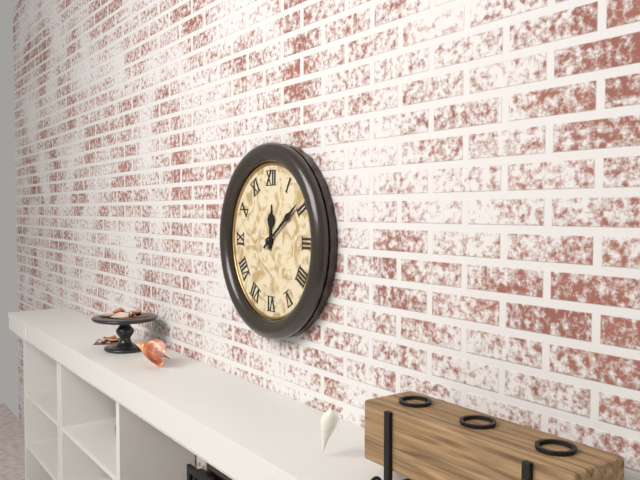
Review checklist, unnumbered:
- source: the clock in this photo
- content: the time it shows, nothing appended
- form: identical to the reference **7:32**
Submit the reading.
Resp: **12:09**
